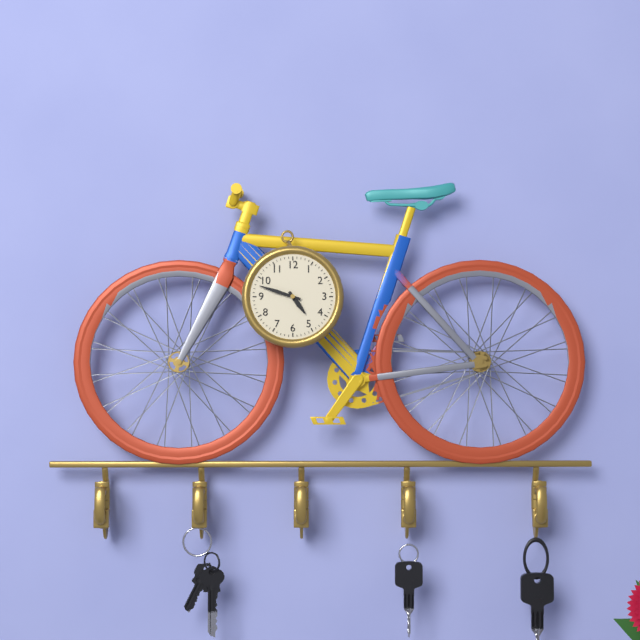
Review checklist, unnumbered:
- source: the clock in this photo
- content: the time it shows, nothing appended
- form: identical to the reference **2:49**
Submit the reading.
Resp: **4:48**
